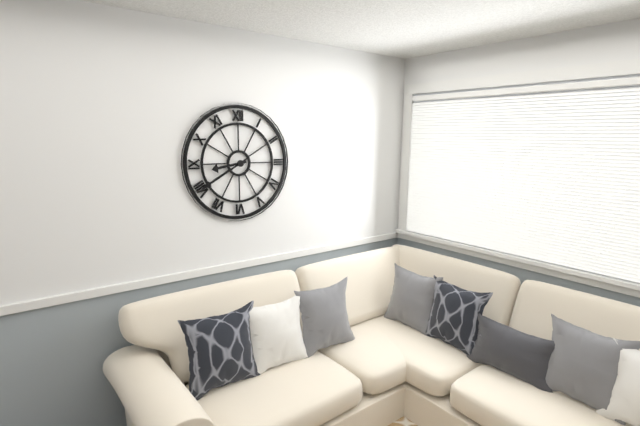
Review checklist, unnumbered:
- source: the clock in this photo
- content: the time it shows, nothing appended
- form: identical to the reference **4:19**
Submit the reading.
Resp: **8:40**
